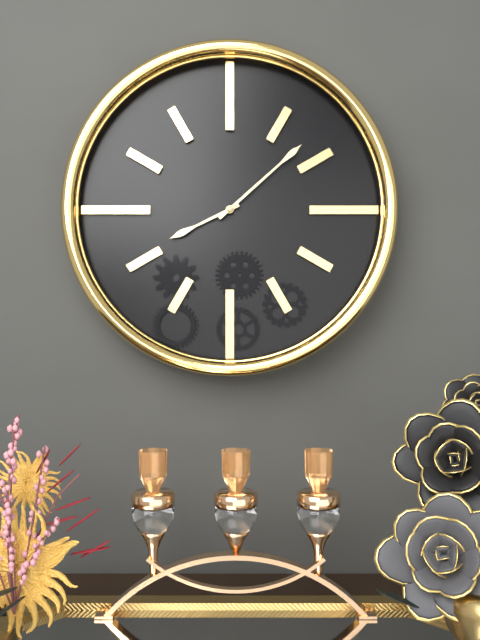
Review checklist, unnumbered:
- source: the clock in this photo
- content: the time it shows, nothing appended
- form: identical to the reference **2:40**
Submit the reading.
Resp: **8:08**
